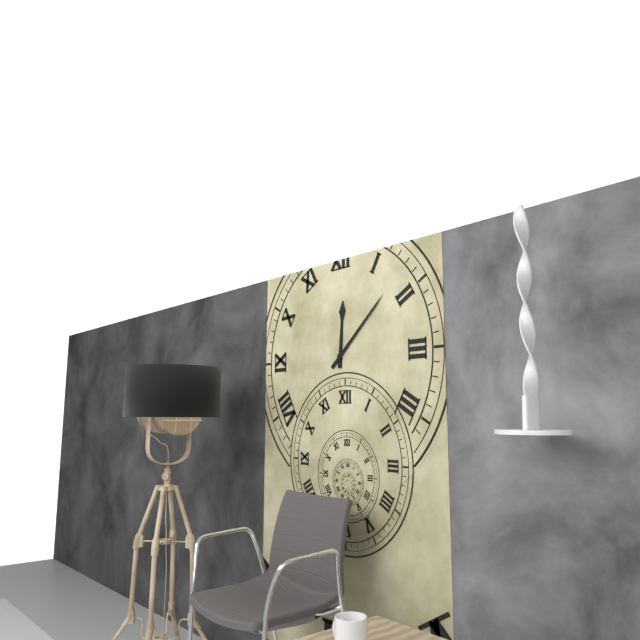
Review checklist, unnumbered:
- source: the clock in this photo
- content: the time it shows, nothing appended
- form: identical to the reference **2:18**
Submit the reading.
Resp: **12:08**
